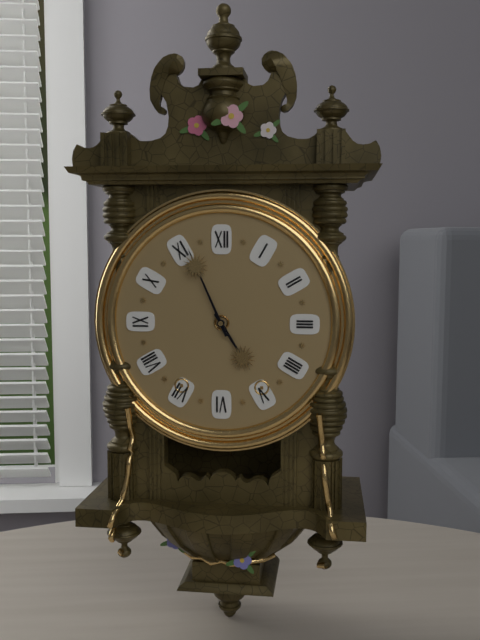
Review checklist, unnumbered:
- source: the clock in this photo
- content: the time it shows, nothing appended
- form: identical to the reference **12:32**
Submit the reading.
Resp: **4:56**
